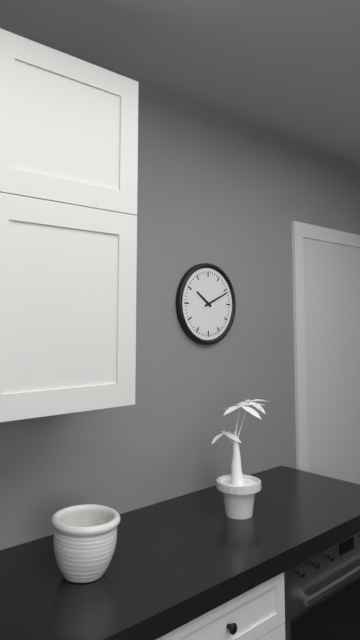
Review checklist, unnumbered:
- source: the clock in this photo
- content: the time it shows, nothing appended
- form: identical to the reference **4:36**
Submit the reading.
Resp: **10:11**
